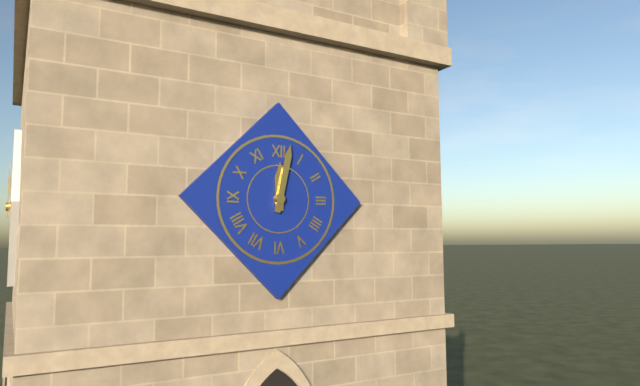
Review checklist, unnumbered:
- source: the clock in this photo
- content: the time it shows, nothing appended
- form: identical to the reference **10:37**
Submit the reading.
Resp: **12:02**
